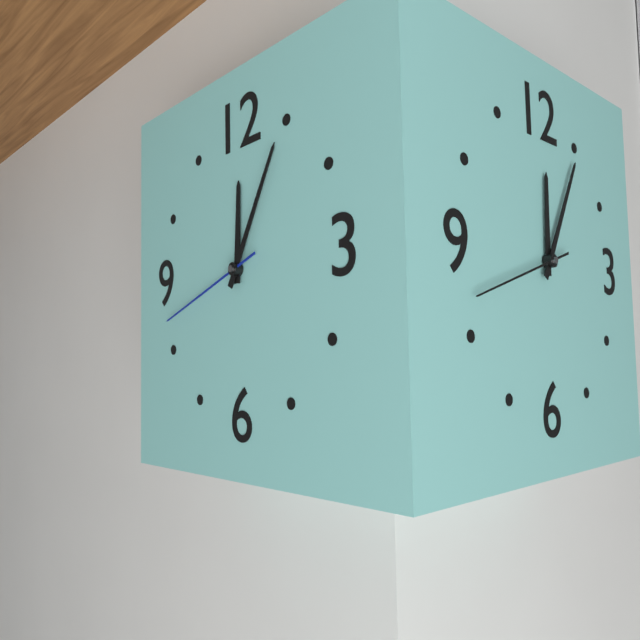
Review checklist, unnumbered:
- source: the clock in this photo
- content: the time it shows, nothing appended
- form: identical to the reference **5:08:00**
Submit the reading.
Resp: **12:05:42**
